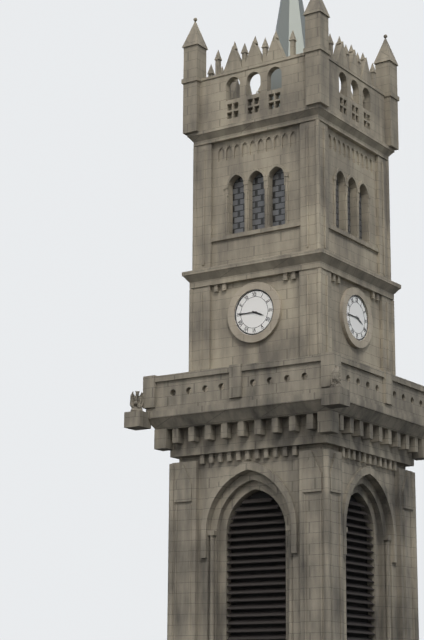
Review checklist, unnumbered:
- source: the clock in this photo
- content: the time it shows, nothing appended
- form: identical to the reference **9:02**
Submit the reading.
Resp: **3:45**
